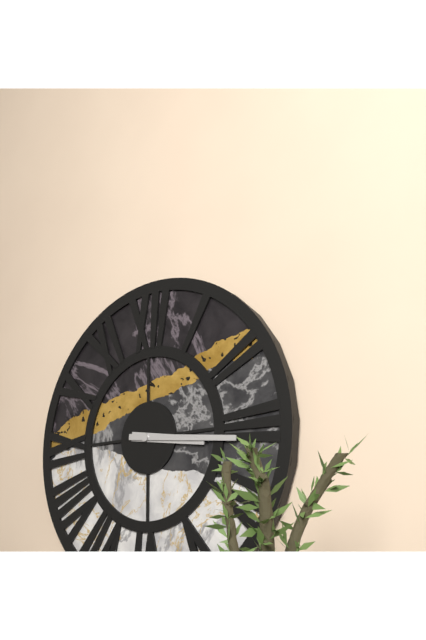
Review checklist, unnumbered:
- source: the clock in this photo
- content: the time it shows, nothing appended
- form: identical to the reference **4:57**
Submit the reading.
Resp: **3:16**
